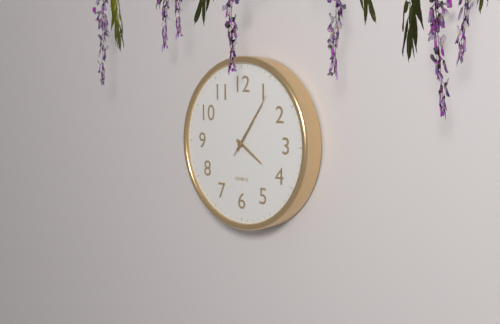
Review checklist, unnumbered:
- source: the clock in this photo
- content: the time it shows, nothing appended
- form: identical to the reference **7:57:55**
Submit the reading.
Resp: **4:06:06**
